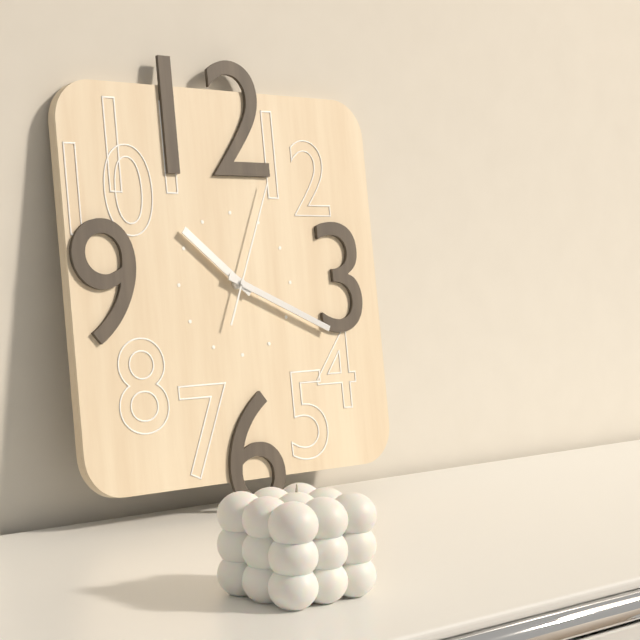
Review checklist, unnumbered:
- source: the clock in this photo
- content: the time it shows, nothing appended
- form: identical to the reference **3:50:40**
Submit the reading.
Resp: **10:19:04**
